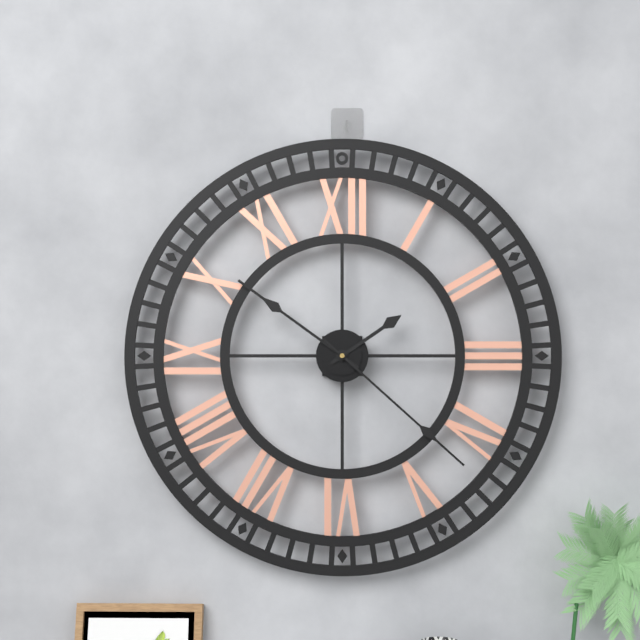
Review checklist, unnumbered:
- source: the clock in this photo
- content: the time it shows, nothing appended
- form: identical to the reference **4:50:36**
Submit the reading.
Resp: **1:51:22**
